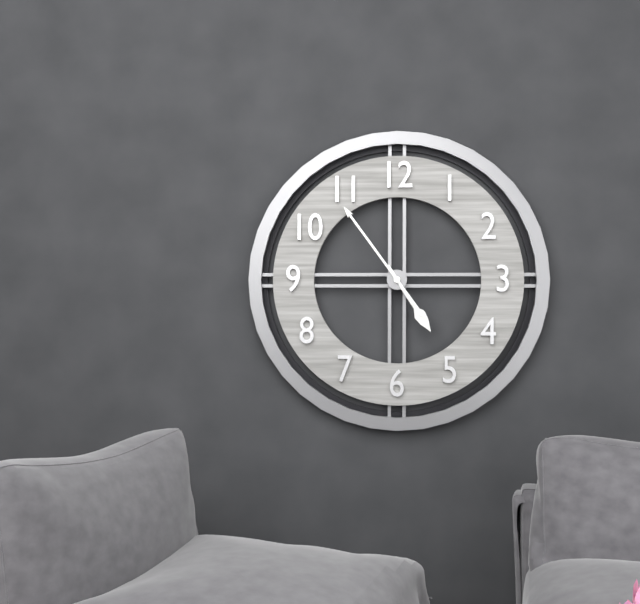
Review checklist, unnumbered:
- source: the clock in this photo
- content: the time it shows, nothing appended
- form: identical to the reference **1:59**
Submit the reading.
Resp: **4:54**
